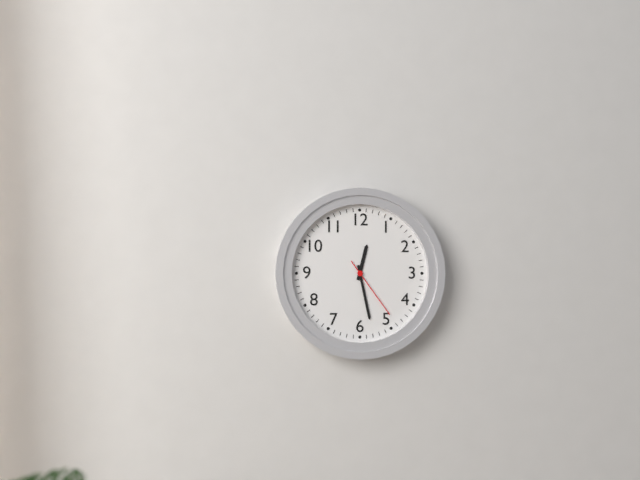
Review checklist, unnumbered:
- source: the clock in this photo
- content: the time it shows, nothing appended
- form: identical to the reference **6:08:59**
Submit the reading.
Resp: **12:28:24**
